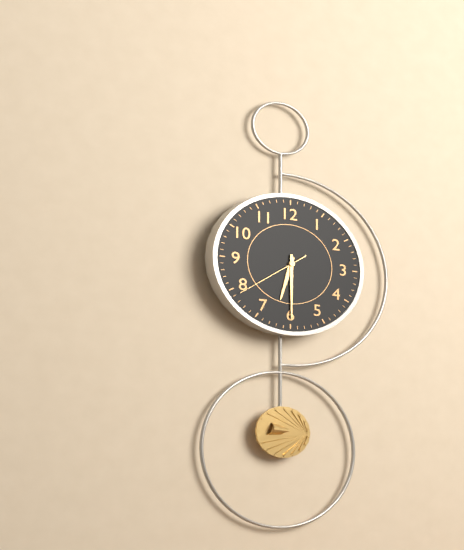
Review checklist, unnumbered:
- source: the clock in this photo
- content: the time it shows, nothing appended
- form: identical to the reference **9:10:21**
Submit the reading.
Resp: **6:30:39**
